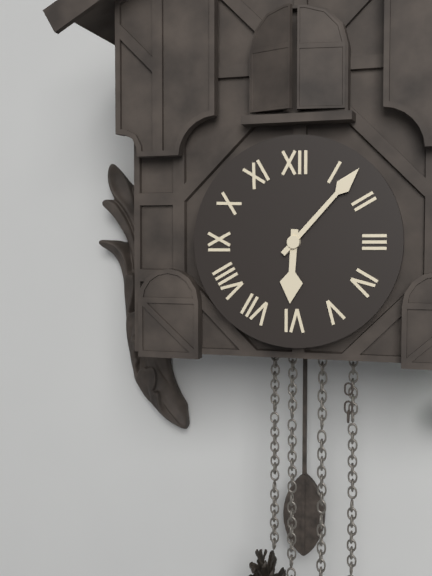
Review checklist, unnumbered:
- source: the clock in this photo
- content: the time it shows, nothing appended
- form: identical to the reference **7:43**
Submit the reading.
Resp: **6:07**
